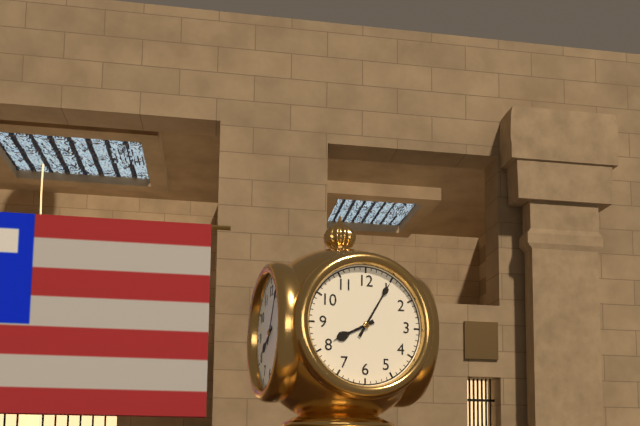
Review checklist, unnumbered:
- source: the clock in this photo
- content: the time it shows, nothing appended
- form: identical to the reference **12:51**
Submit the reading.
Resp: **8:05**
